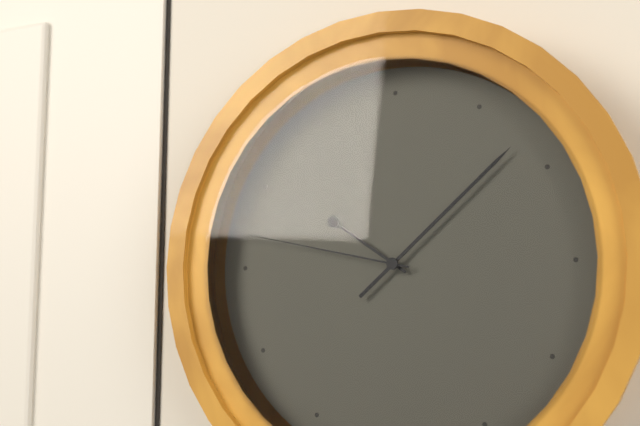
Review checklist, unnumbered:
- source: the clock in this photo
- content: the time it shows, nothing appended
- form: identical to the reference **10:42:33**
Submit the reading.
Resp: **10:08:47**
